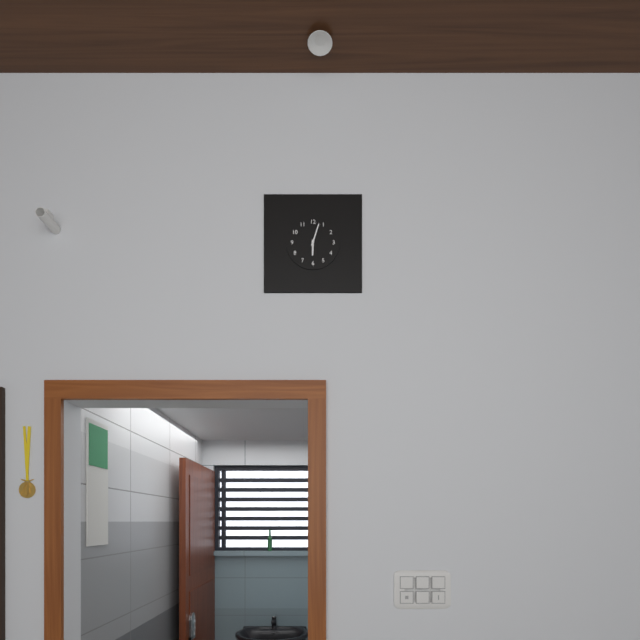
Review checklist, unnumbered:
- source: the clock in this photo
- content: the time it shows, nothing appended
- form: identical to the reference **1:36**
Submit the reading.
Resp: **6:03**
